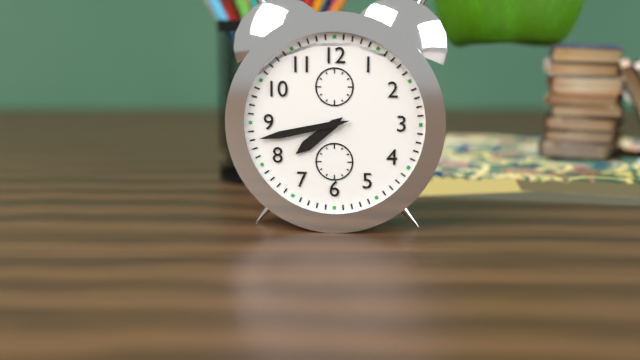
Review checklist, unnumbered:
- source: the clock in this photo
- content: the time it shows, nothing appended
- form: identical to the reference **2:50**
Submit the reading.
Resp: **7:43**
